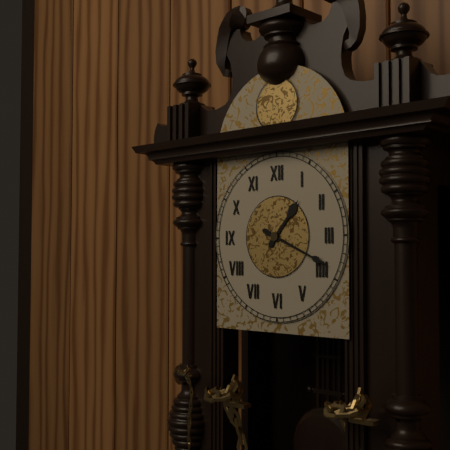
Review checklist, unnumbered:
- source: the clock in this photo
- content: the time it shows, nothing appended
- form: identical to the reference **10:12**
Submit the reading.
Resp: **1:19**
